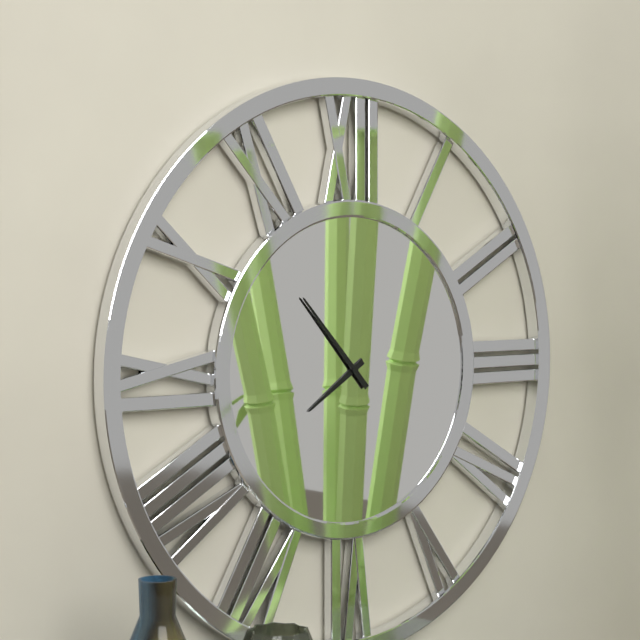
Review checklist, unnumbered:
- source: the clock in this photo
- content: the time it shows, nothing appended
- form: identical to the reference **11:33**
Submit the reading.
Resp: **7:53**
